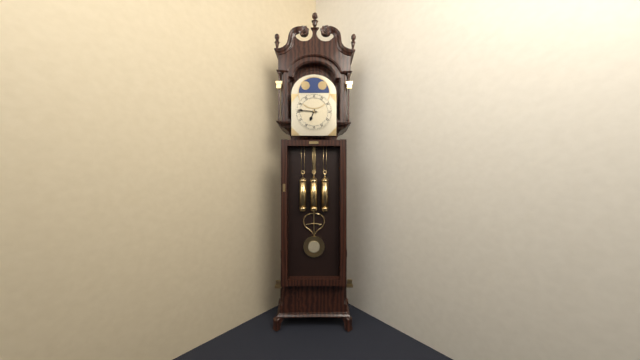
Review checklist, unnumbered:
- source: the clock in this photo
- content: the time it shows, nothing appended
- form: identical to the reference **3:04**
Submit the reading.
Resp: **6:46**
